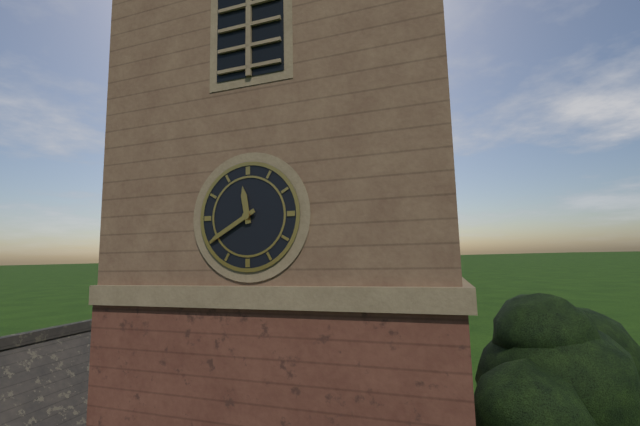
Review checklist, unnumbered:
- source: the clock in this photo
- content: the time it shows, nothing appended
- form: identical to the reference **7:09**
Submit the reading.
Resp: **11:40**
